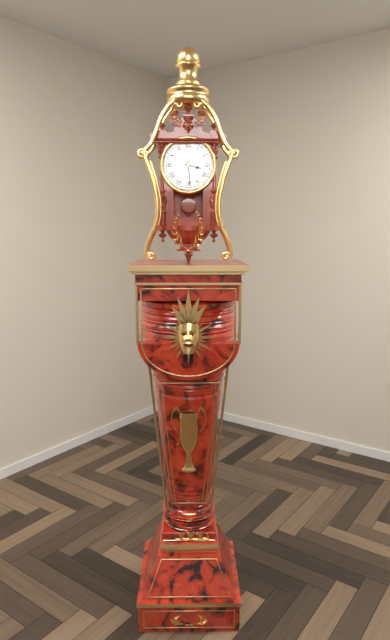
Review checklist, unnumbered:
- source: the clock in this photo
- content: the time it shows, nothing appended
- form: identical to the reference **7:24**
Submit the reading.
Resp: **3:29**
